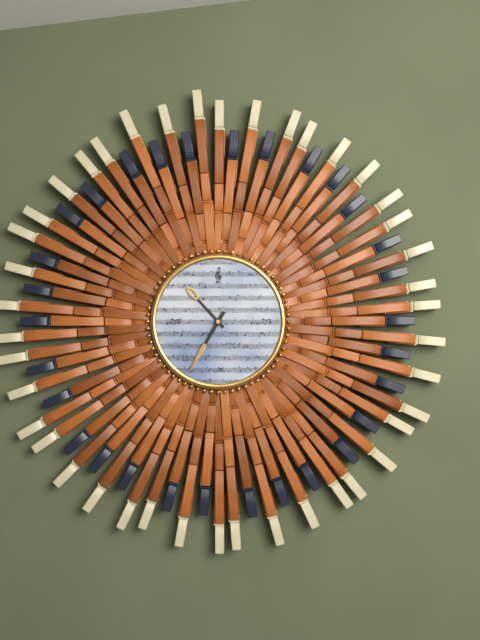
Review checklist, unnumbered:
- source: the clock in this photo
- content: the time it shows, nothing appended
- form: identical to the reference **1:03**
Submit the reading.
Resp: **10:35**
